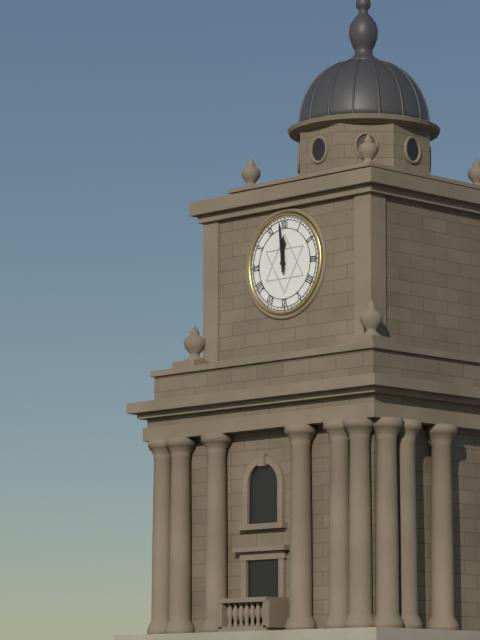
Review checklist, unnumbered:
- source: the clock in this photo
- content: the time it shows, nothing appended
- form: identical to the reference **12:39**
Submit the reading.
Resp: **11:59**
